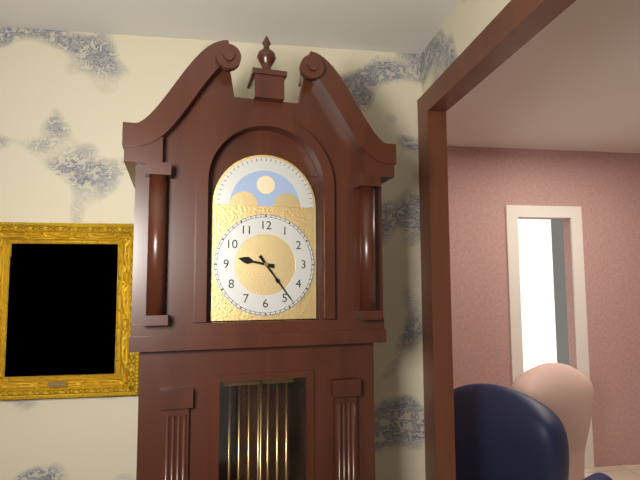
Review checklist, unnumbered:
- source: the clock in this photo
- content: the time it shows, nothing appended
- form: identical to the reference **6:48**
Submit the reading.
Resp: **9:24**
